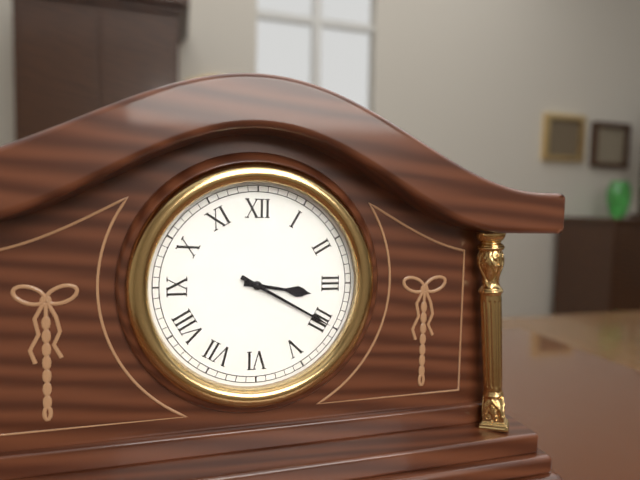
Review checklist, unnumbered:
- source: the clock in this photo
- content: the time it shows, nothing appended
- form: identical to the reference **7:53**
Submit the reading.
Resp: **3:20**
